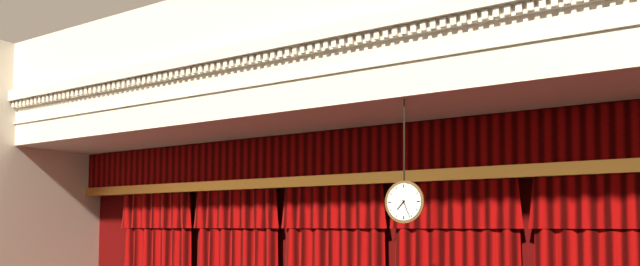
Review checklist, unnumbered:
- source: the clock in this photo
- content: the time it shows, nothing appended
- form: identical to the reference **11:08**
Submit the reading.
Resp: **7:26**
